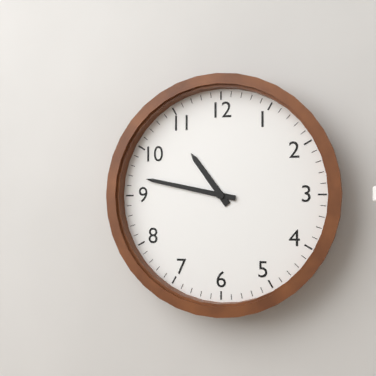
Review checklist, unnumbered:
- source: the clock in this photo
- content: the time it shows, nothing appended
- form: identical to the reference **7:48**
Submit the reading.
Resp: **10:47**
